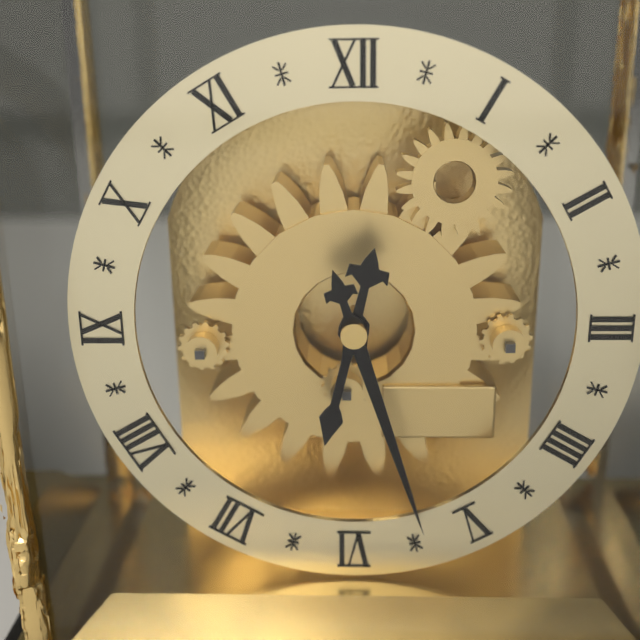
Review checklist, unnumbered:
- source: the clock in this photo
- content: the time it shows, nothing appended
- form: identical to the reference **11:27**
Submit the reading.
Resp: **6:27**
